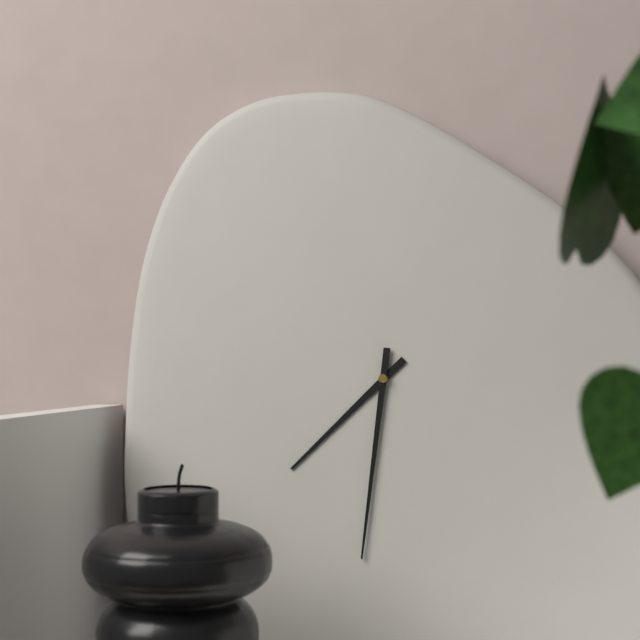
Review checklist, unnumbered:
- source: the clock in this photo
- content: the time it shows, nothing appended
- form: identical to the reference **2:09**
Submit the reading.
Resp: **7:31**
